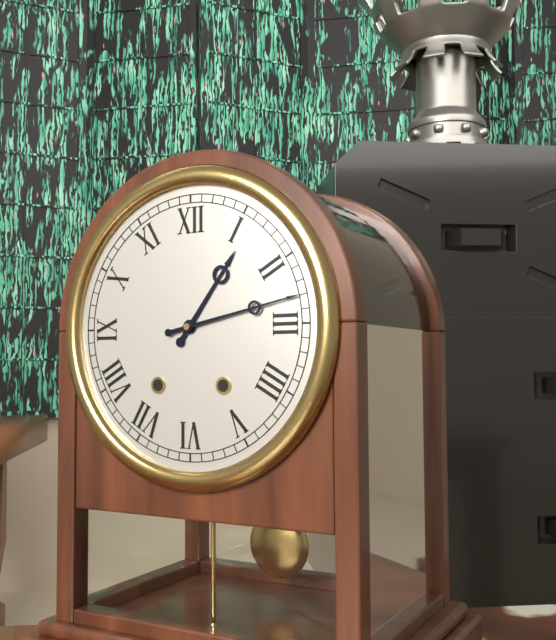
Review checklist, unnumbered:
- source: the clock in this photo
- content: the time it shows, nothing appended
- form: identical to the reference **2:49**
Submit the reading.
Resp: **1:13**
